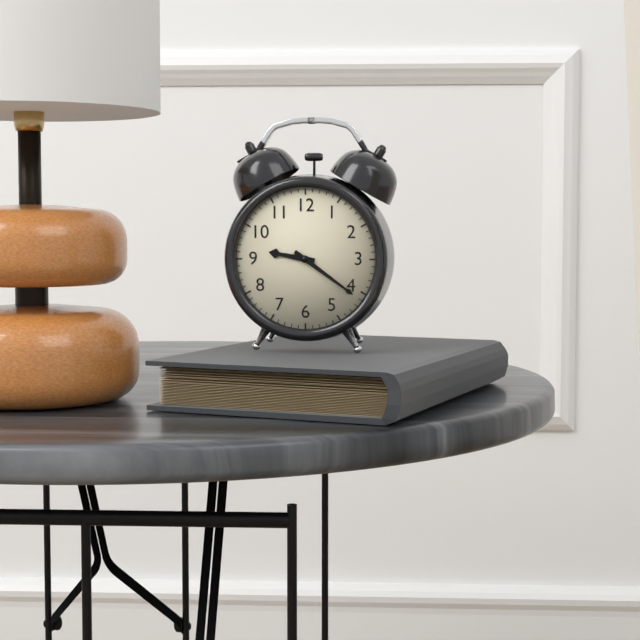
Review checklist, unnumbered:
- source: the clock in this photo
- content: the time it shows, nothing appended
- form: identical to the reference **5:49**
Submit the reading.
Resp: **9:21**
